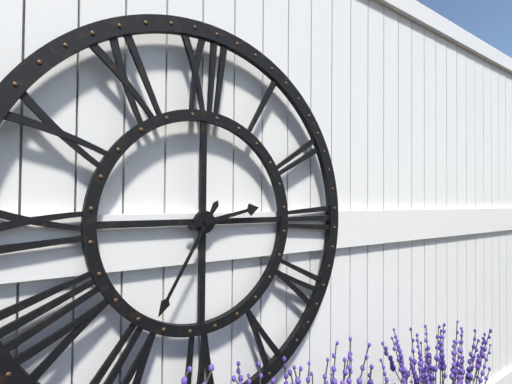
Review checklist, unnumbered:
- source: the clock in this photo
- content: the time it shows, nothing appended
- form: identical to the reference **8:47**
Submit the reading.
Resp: **2:35**
